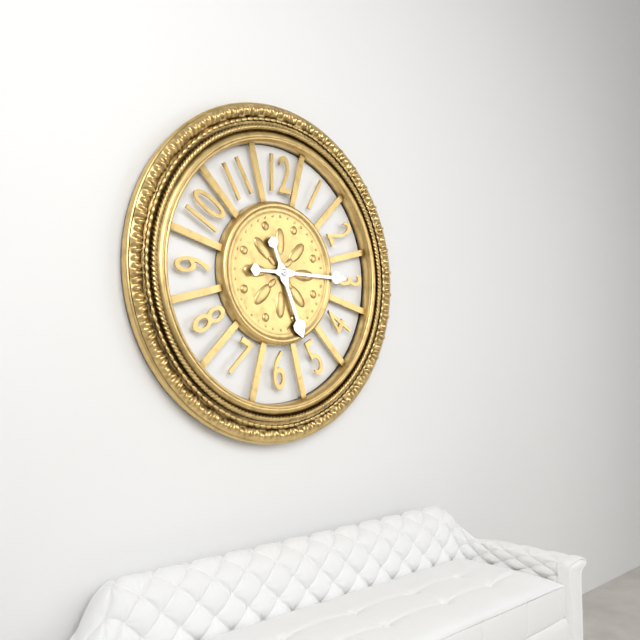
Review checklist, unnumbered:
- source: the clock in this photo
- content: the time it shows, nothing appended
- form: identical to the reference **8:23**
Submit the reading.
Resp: **5:15**
